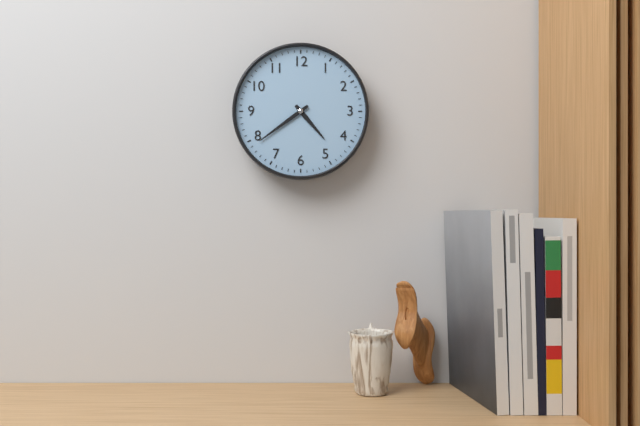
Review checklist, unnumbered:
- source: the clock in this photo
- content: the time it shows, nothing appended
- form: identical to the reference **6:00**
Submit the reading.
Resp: **4:39**
